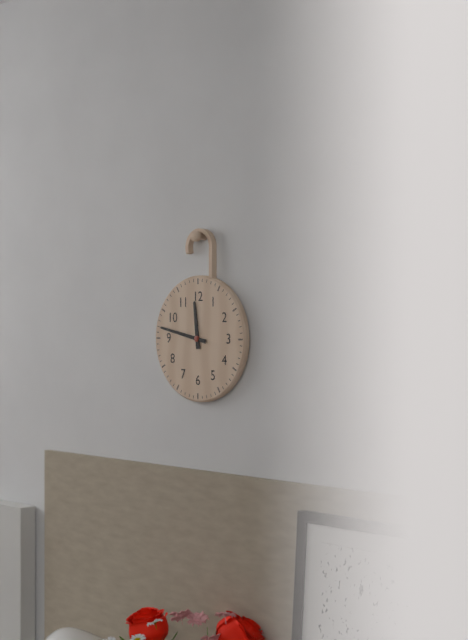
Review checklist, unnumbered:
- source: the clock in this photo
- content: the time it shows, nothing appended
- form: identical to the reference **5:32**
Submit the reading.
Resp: **11:47**
